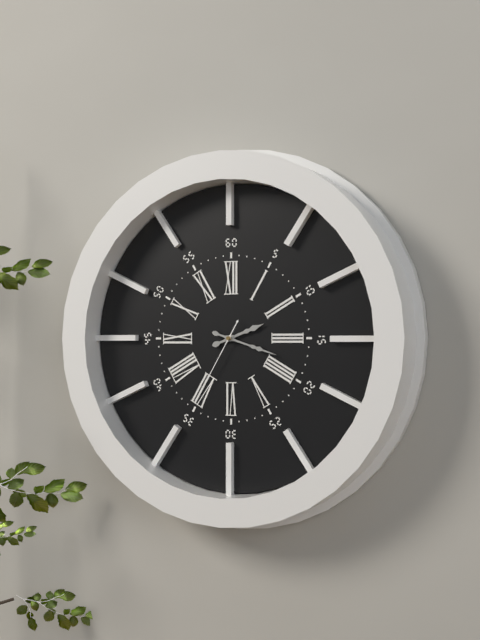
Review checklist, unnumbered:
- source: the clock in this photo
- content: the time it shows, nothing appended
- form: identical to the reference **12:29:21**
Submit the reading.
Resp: **2:18:35**
